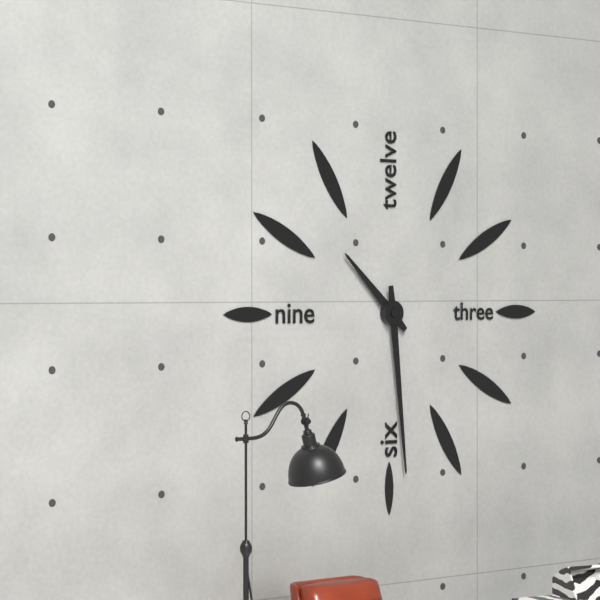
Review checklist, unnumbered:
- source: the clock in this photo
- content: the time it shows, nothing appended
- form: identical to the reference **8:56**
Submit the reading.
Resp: **10:29**
